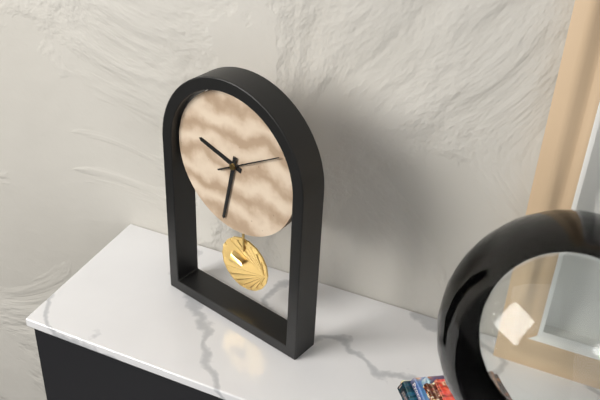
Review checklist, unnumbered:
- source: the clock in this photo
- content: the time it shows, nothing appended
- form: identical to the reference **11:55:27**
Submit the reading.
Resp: **9:32:10**
